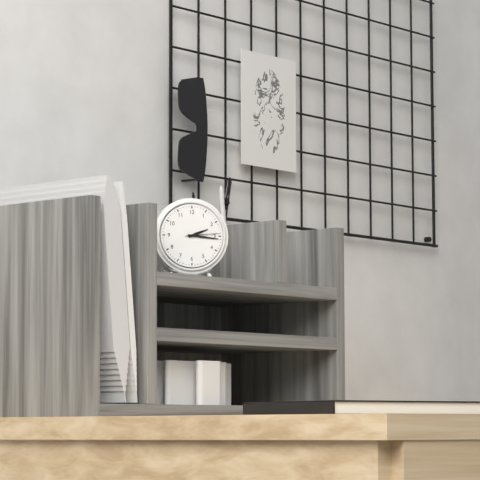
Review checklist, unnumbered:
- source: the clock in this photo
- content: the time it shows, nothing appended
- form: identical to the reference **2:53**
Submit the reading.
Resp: **2:16**
